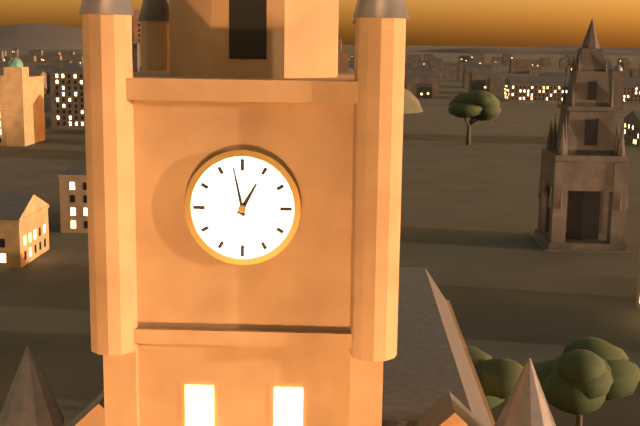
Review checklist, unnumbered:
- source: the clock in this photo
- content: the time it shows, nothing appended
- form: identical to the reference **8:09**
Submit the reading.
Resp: **12:58**
